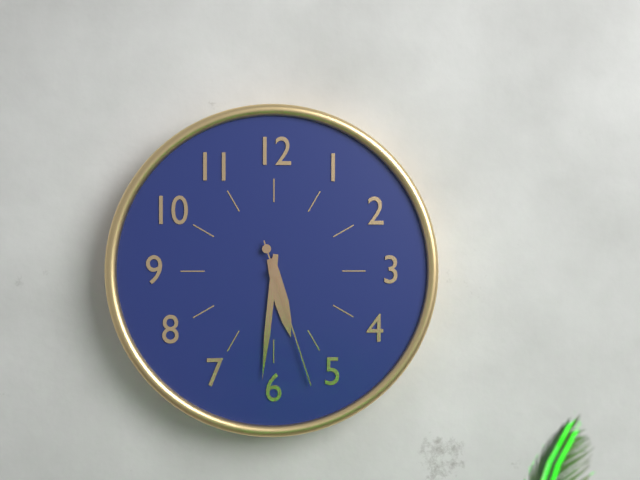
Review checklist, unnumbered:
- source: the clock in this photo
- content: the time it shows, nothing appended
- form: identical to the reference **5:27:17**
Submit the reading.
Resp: **5:31:27**
